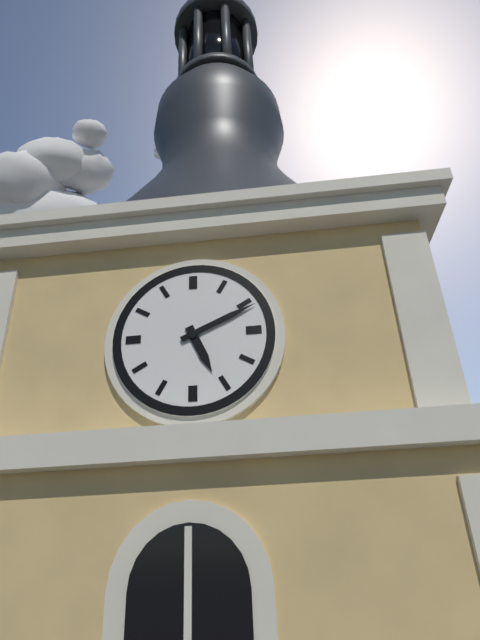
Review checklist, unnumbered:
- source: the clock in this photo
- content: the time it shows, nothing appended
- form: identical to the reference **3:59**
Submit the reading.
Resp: **5:11**
